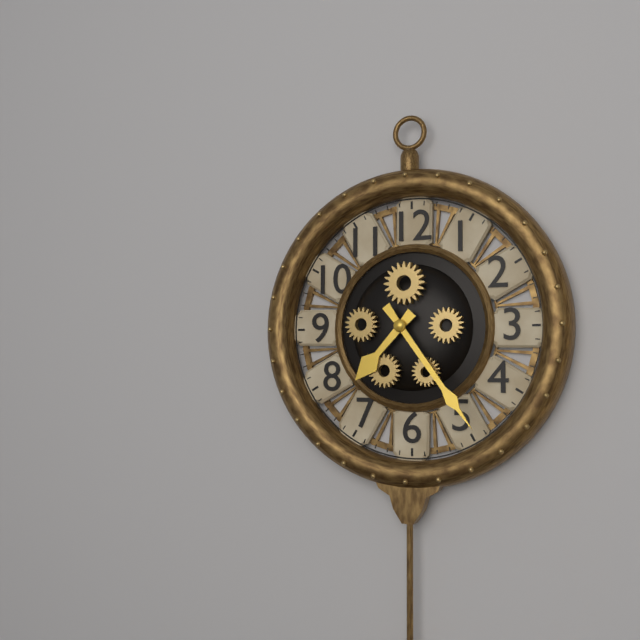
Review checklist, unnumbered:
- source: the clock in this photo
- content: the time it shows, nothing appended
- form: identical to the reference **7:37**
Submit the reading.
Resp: **7:24**
